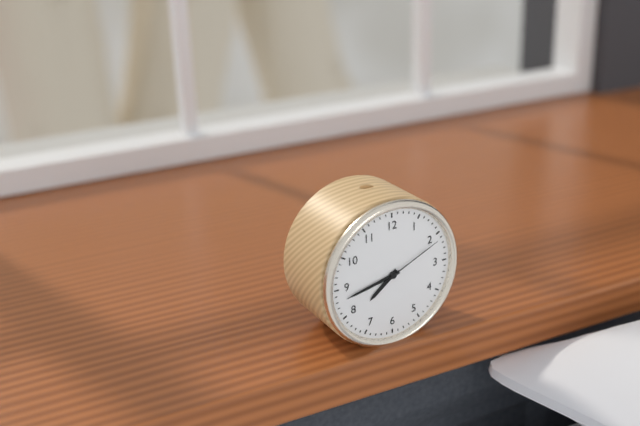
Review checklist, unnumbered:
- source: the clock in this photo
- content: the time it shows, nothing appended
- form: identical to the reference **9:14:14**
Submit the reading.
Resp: **7:43:11**
